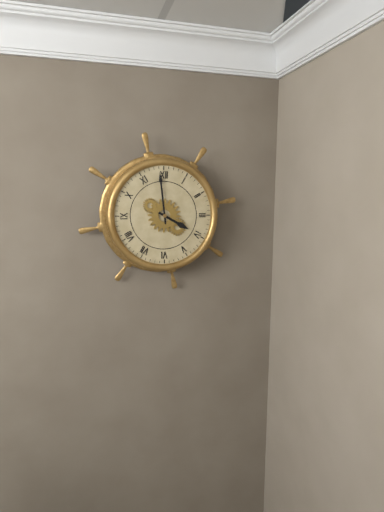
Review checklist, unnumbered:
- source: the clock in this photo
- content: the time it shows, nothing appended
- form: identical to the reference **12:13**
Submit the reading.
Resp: **3:59**
